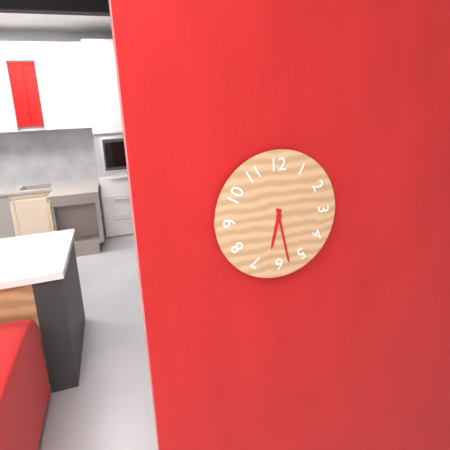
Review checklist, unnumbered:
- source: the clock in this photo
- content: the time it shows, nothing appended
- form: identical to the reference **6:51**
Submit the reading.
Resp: **6:28**
